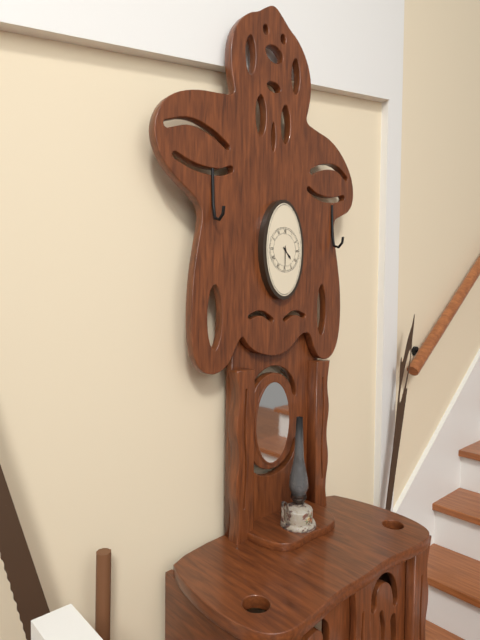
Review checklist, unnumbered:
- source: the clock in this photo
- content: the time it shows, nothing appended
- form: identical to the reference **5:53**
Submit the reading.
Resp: **4:30**
